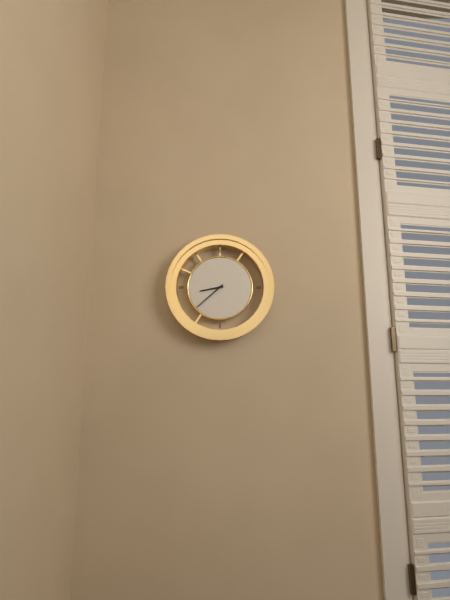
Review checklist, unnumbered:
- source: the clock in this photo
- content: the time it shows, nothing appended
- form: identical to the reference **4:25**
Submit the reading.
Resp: **8:38**
